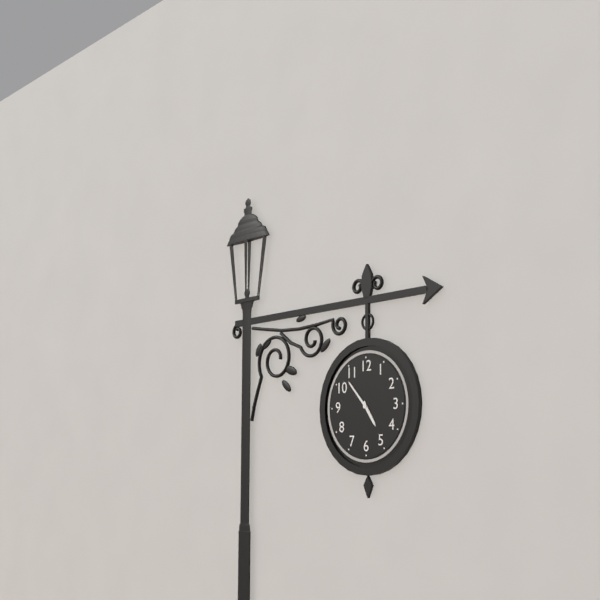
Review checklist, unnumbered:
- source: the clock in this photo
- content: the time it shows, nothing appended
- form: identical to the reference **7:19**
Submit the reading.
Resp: **4:53**
